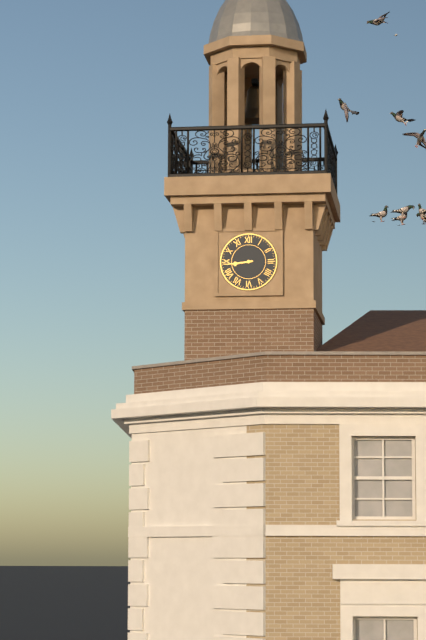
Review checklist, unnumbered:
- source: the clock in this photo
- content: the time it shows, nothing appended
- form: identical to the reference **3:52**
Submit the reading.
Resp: **8:44**
